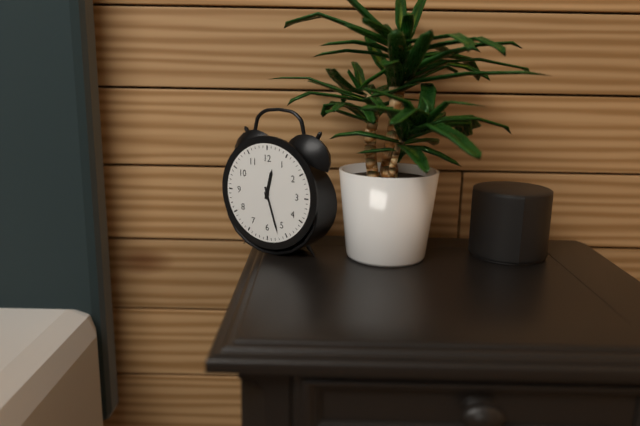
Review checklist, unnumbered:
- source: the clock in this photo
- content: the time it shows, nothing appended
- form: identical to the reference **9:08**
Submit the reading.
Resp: **12:27**
